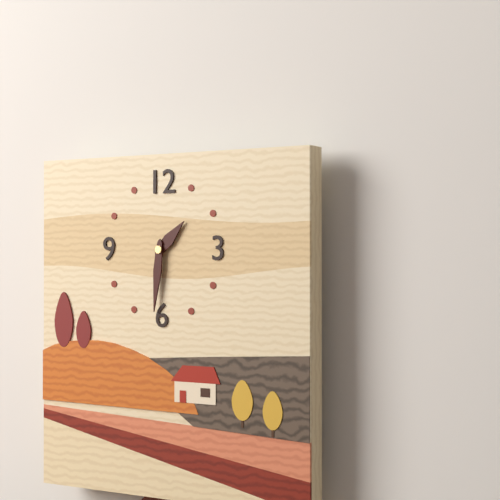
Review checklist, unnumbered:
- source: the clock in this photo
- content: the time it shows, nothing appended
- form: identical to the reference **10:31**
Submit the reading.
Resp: **1:31**
